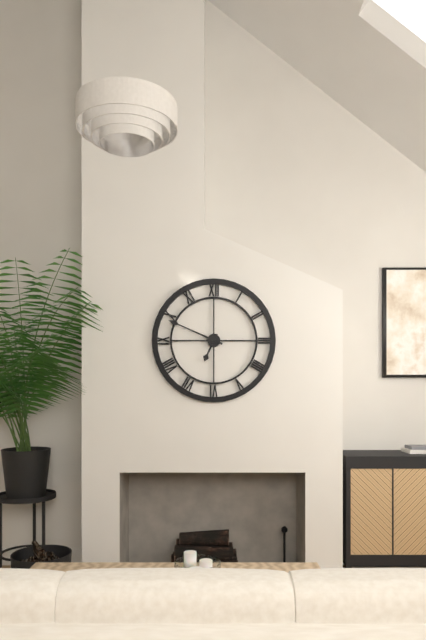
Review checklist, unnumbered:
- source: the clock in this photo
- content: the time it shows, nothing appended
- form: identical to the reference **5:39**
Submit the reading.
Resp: **6:49**
